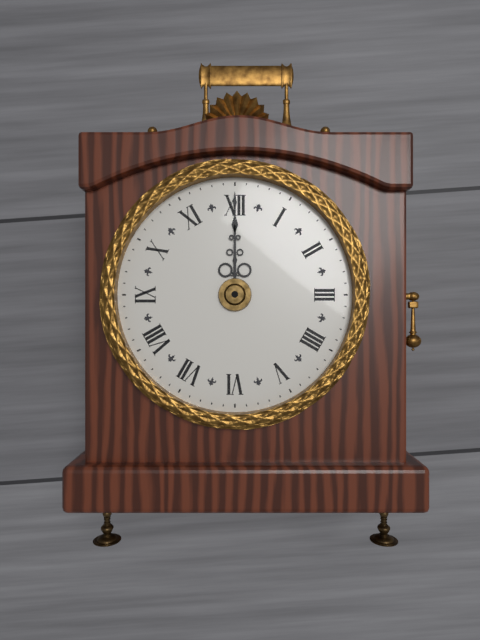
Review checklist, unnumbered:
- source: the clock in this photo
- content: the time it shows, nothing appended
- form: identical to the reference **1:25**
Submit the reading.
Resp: **12:00**
